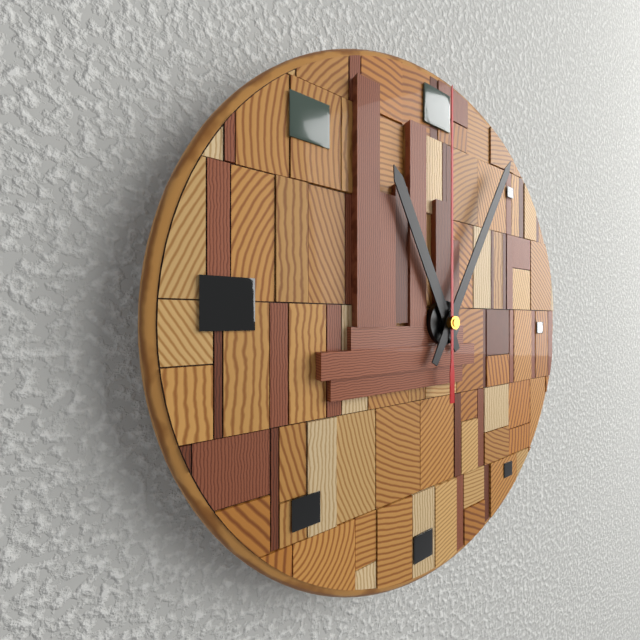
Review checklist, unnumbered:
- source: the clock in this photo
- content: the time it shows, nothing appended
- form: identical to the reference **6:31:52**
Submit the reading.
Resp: **11:05:00**
